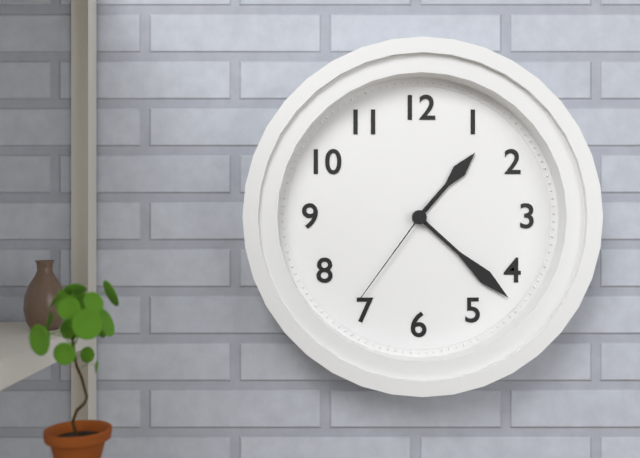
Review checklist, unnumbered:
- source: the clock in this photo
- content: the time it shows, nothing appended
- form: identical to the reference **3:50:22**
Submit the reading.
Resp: **1:22:36**
